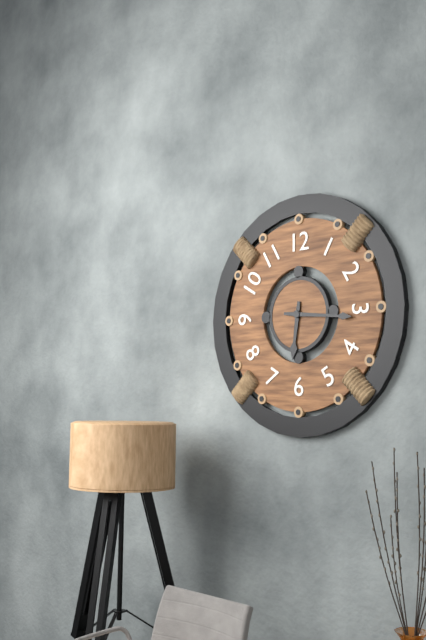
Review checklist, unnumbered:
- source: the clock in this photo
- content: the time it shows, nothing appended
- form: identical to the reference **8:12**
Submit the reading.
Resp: **6:16**
